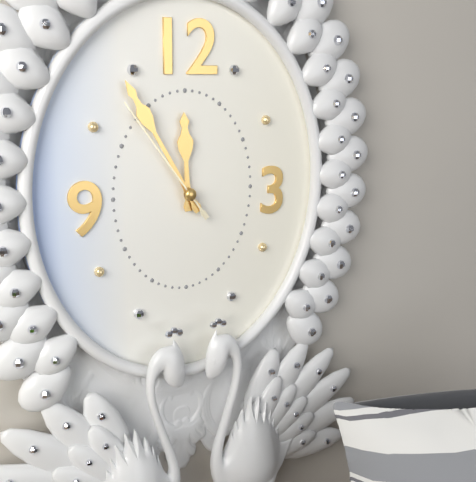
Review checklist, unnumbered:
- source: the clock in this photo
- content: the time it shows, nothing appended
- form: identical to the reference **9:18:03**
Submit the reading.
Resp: **11:55:54**
